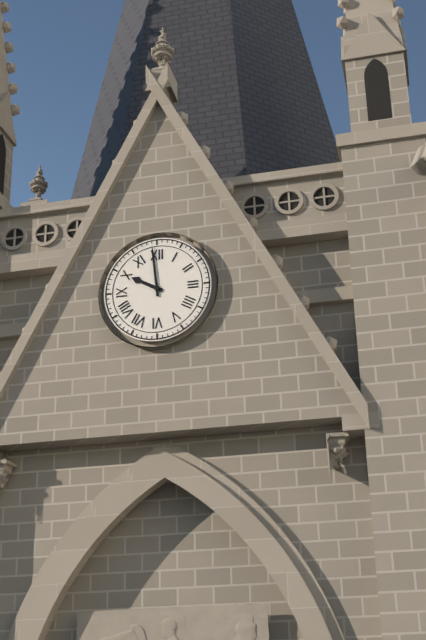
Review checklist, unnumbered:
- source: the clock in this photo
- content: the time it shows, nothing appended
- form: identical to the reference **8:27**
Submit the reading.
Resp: **9:59**
